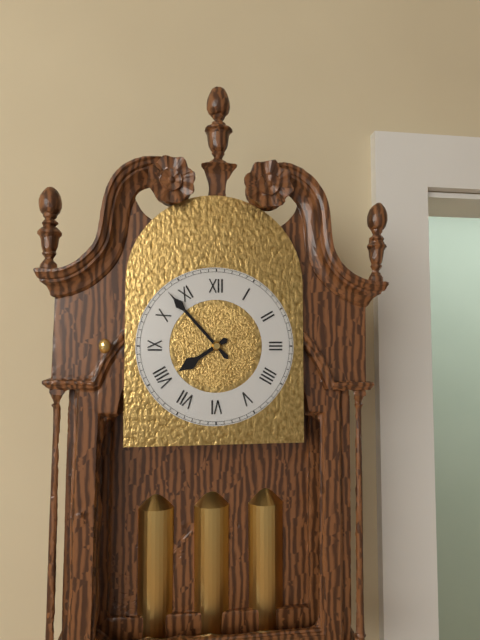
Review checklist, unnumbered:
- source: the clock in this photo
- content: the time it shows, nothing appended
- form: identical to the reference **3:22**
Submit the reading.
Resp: **7:53**
